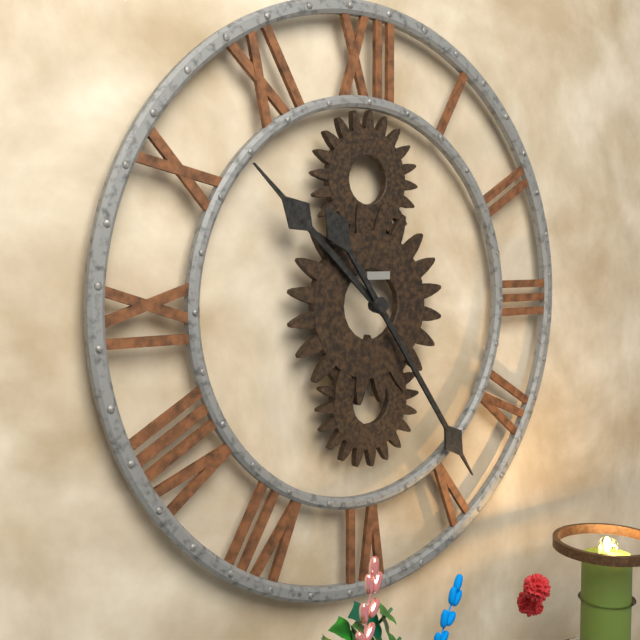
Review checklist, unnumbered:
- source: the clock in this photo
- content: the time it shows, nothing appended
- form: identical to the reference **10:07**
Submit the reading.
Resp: **10:24**
